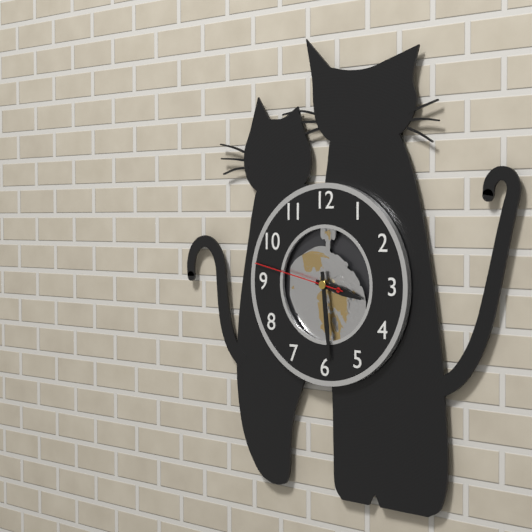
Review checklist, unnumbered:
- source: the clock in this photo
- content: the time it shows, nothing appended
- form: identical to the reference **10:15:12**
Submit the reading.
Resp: **3:29:47**
